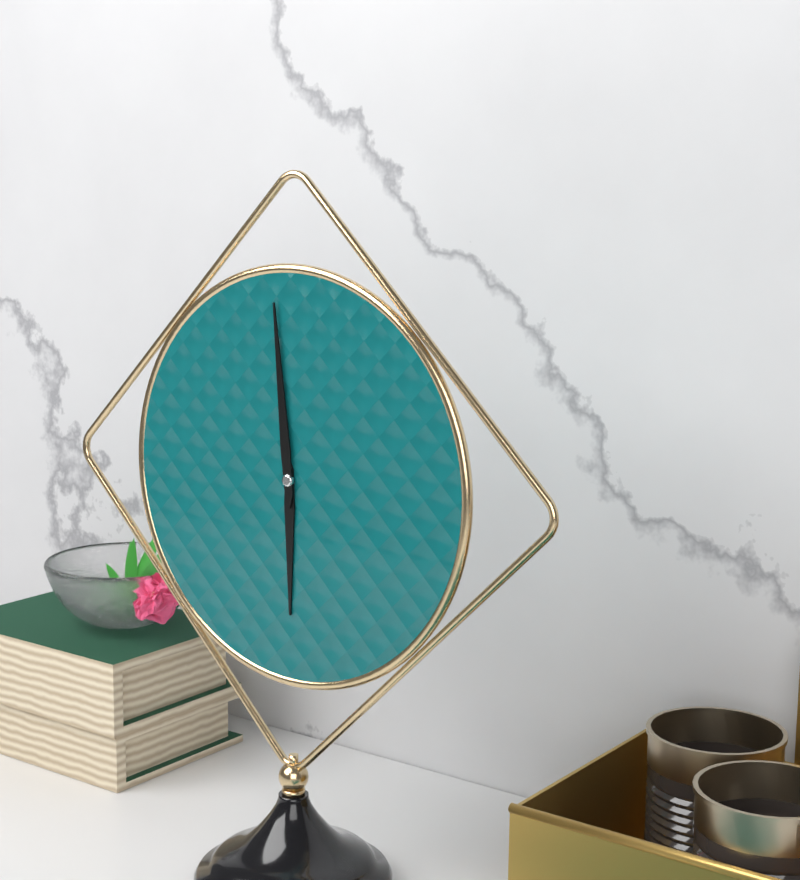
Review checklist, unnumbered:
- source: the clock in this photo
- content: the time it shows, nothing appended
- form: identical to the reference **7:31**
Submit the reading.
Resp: **5:59**
